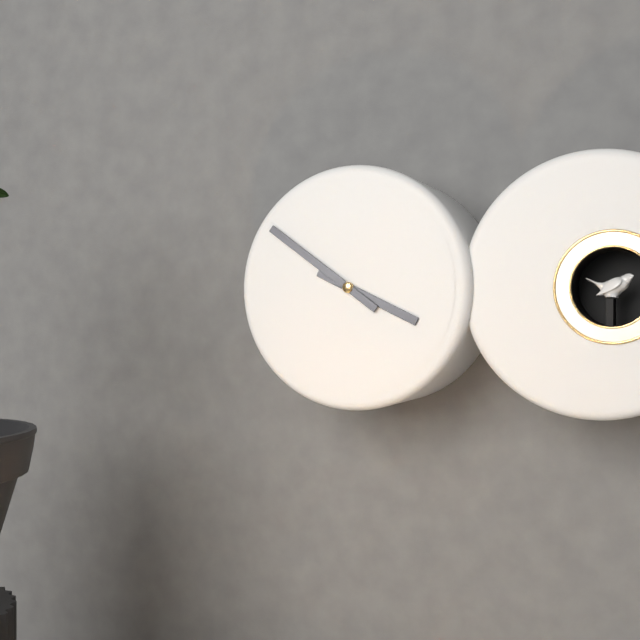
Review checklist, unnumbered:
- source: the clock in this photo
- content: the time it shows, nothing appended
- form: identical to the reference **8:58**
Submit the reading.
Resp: **3:51**
